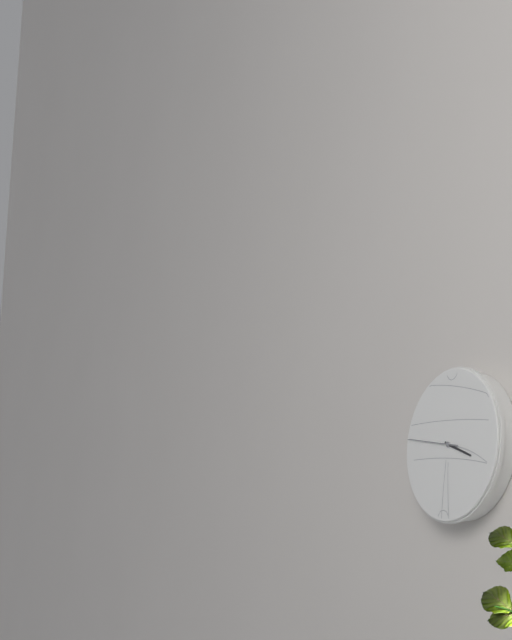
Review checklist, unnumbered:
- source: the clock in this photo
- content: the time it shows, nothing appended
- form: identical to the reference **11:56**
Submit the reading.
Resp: **3:47**
